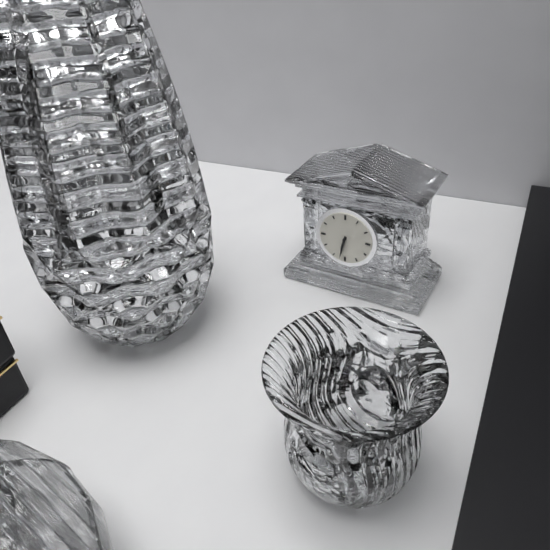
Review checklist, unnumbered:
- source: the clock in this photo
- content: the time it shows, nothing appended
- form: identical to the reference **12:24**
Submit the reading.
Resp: **6:32**
